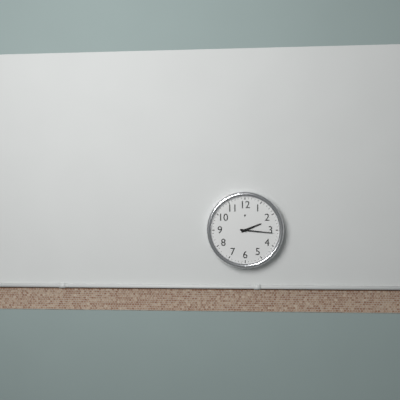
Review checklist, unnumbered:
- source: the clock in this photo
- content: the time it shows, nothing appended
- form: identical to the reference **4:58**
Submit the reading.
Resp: **2:16**
